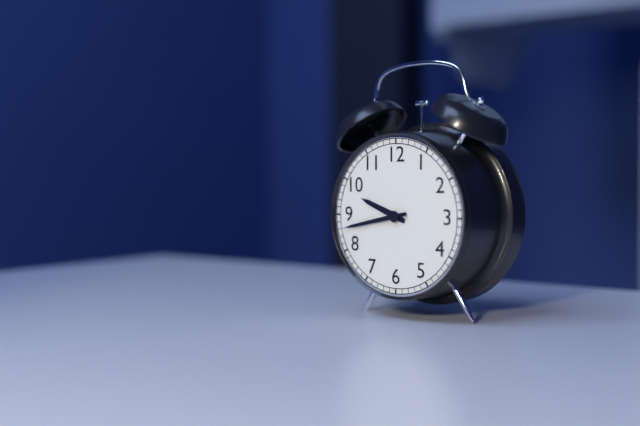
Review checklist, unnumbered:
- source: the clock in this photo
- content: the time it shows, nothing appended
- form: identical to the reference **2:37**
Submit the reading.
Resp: **9:43**
